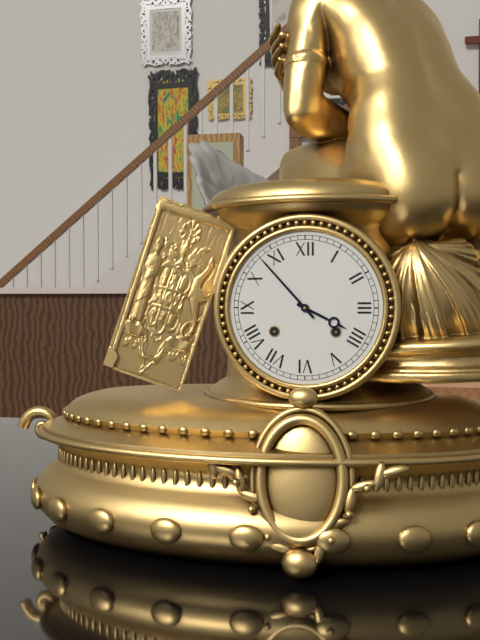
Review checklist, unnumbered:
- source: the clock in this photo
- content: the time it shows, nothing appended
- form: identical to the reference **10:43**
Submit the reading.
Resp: **3:53**
